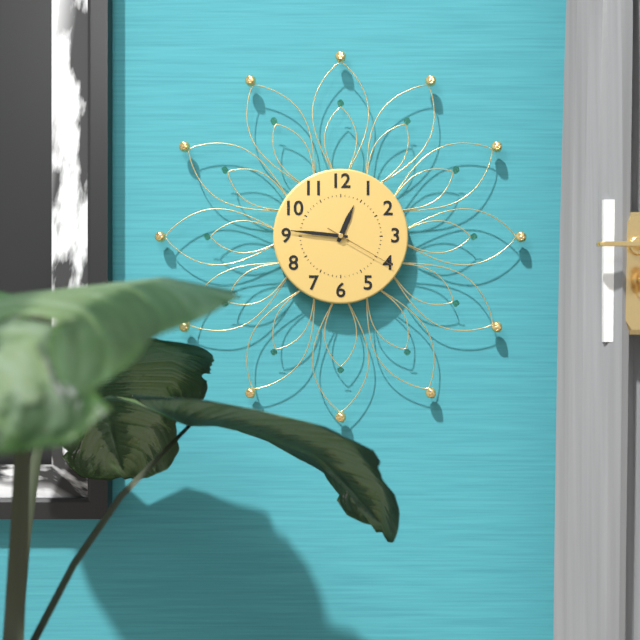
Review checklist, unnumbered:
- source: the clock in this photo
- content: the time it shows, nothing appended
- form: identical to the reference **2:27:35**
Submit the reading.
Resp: **12:46:20**
